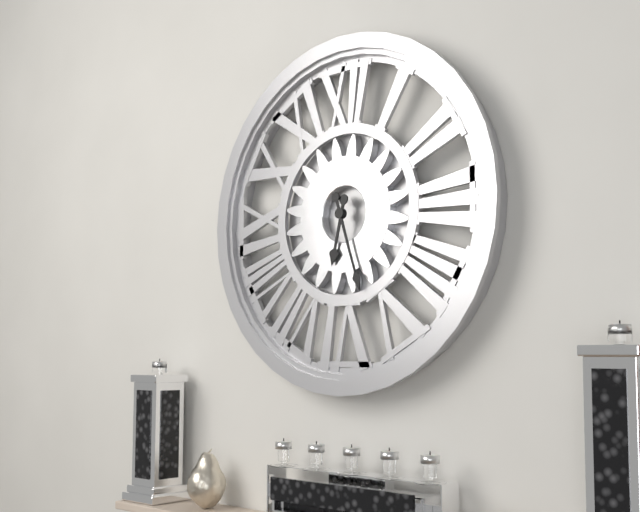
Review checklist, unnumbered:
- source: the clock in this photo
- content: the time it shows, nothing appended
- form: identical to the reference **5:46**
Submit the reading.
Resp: **6:27**
